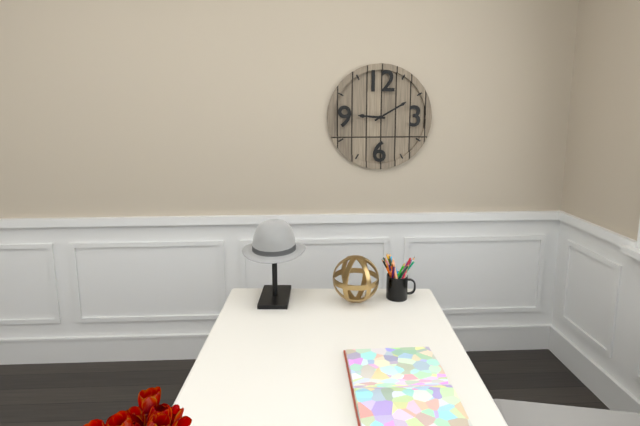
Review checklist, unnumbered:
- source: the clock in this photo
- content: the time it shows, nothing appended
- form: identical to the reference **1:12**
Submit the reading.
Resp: **9:10**
